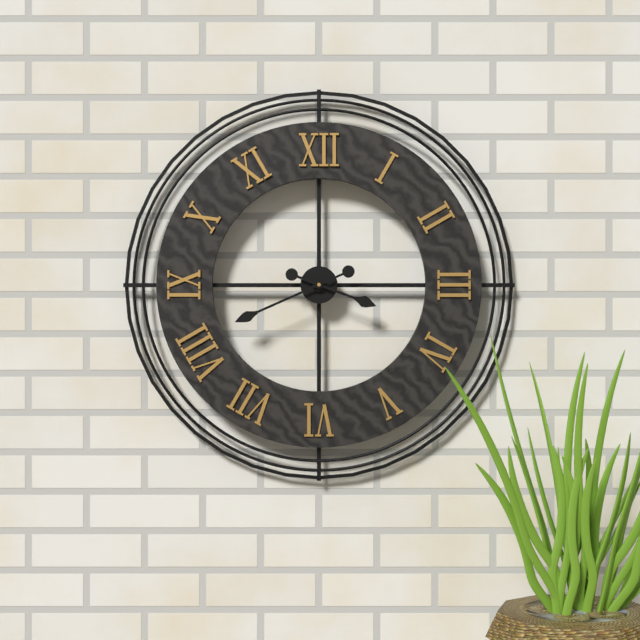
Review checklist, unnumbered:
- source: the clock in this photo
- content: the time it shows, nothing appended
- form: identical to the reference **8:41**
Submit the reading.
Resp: **3:41**
